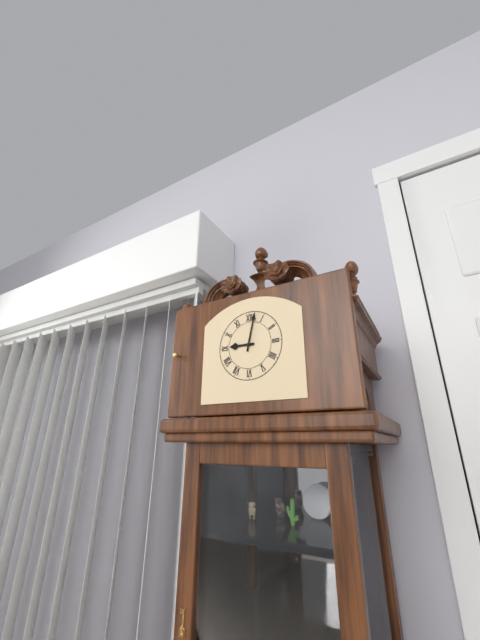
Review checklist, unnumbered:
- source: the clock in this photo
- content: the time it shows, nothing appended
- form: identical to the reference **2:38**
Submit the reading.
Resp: **9:02**
